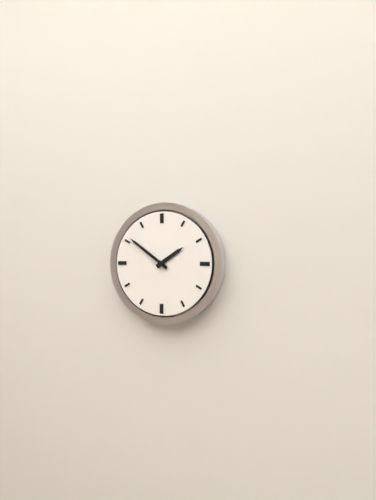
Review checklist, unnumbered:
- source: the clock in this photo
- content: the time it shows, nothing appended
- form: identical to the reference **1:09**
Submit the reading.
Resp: **1:51**
